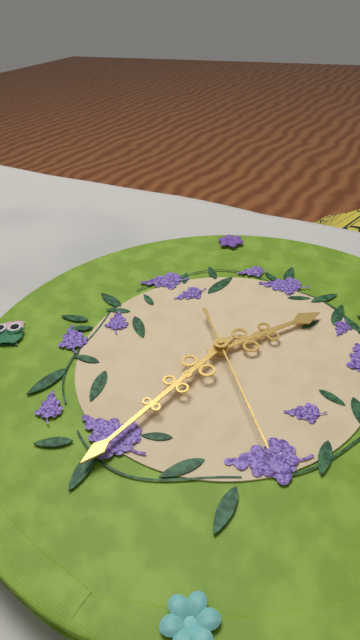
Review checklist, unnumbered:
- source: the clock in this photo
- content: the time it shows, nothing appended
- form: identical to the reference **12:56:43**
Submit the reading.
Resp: **1:34:25**
